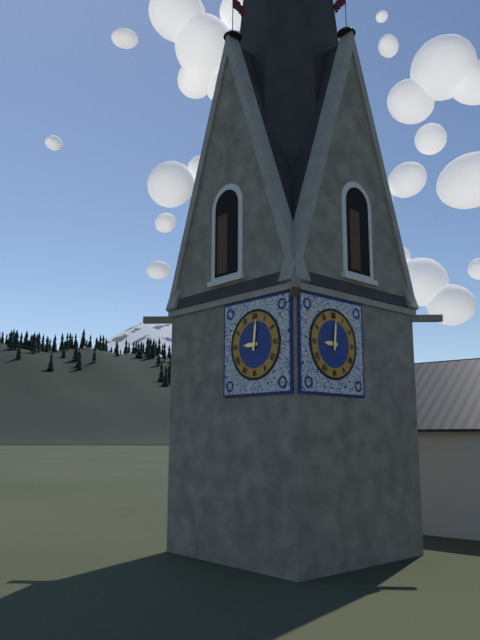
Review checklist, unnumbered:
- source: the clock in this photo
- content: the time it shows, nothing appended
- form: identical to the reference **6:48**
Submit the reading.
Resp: **9:01**
